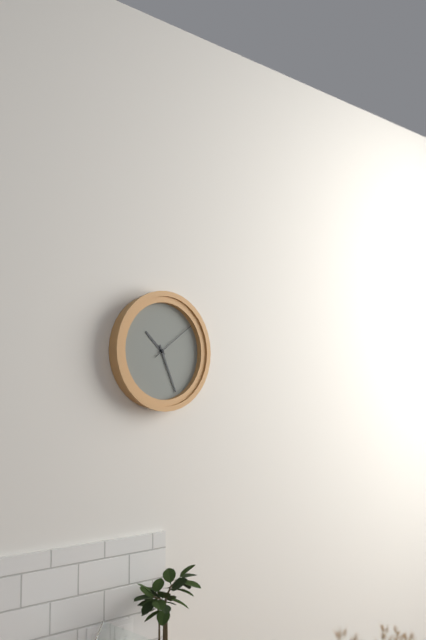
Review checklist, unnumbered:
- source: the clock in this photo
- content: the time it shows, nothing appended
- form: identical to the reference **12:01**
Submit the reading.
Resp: **10:26**
